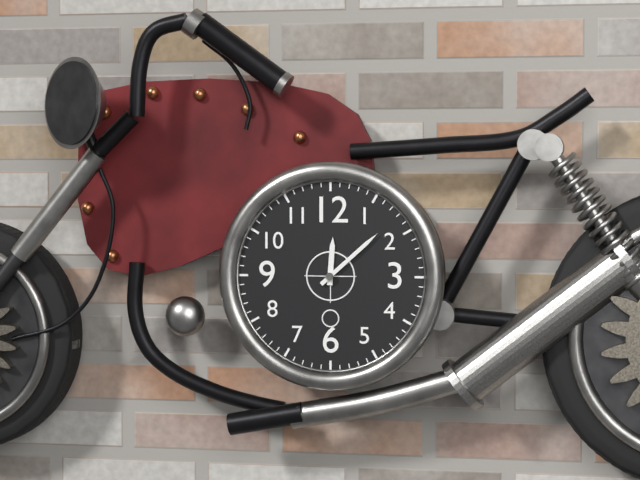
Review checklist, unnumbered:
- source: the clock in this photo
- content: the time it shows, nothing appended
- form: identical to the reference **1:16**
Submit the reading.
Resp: **12:08**
